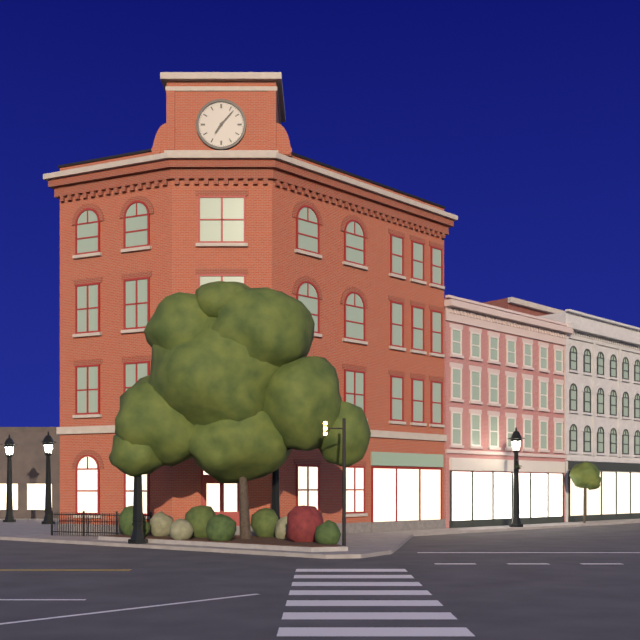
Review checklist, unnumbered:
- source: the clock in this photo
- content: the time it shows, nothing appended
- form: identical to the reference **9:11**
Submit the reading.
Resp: **7:07**
